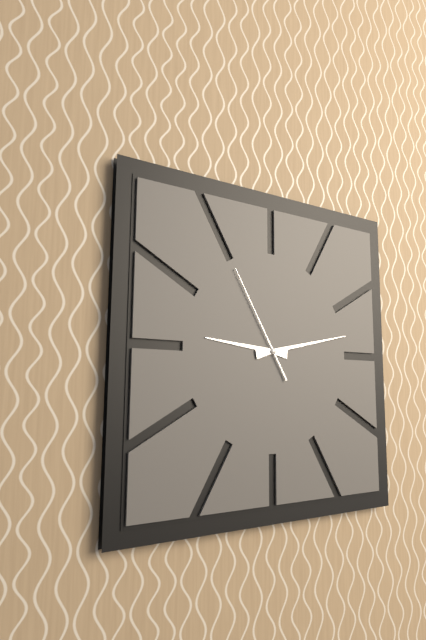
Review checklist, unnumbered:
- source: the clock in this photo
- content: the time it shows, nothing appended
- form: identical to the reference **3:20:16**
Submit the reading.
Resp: **9:13:55**
